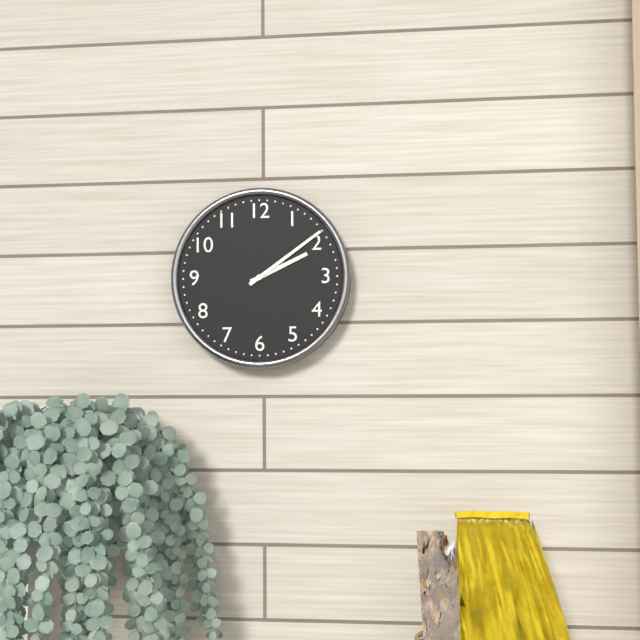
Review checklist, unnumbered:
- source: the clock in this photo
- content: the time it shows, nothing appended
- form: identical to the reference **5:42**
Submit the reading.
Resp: **2:09**
